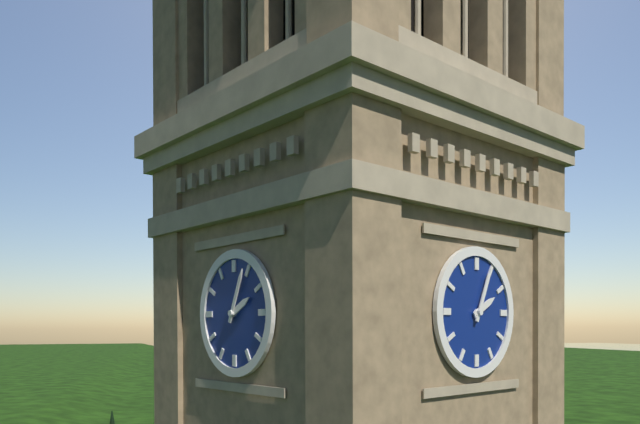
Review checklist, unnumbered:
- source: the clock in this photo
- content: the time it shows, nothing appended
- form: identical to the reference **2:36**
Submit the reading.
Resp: **2:04**
